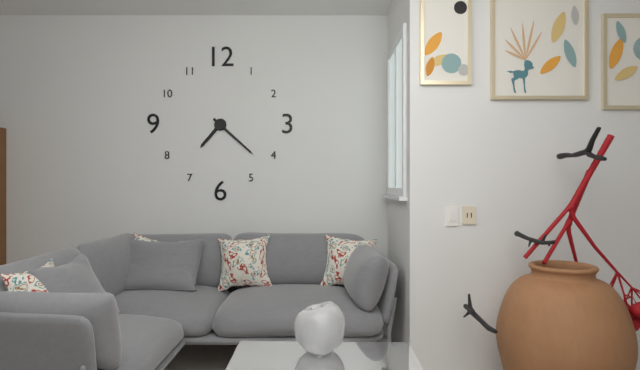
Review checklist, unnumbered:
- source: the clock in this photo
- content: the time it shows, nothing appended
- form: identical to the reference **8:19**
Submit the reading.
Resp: **7:22**
